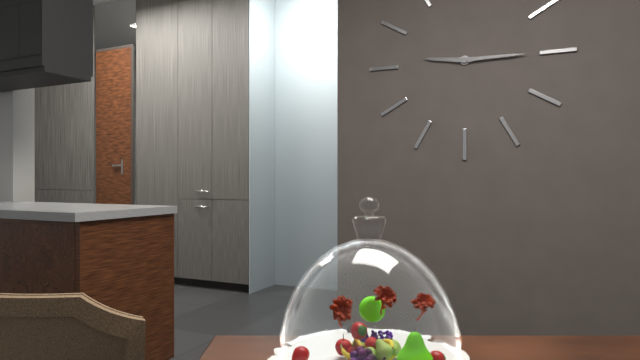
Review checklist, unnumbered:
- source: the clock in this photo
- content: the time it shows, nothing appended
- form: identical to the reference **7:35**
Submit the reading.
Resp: **9:15**
